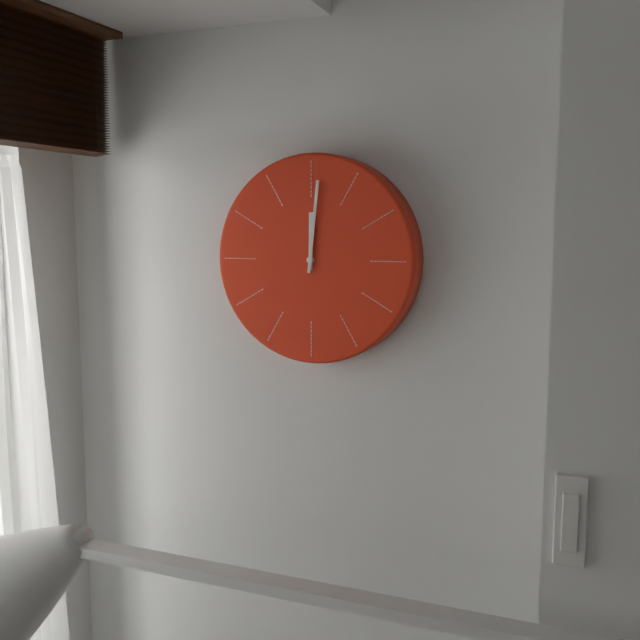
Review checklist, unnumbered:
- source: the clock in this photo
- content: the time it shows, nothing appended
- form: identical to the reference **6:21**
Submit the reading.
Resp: **12:01**
